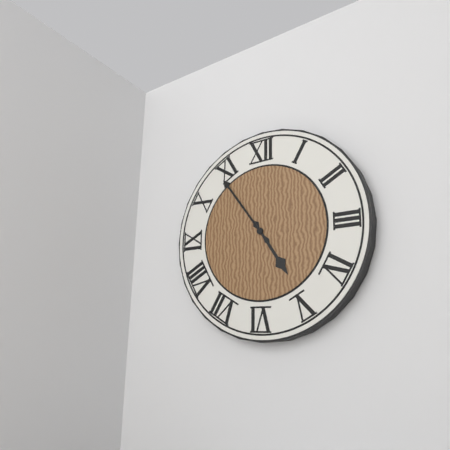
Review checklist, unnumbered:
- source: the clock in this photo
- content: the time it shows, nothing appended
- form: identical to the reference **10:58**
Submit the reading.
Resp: **4:54**
